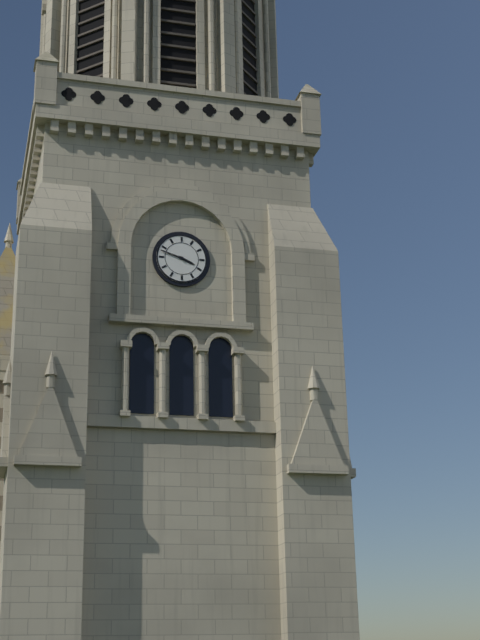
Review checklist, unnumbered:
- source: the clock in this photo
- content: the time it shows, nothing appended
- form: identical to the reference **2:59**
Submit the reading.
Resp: **3:48**
